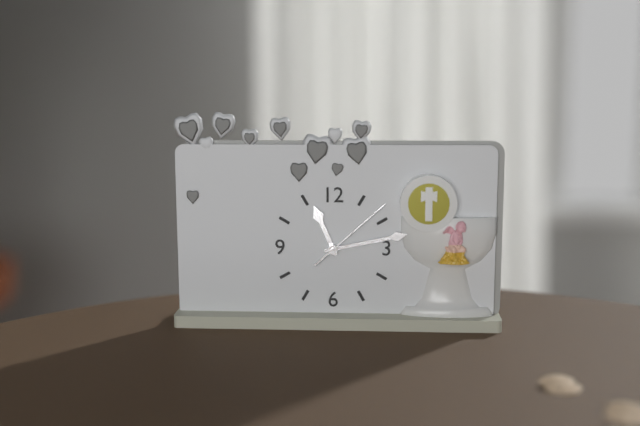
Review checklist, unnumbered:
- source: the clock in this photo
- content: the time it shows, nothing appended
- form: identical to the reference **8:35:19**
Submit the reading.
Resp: **11:13:08**
